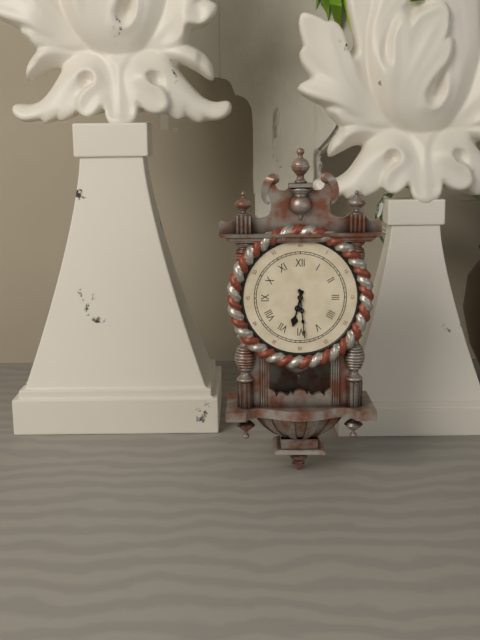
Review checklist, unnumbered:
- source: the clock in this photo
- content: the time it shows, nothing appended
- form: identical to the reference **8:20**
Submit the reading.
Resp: **6:29**
